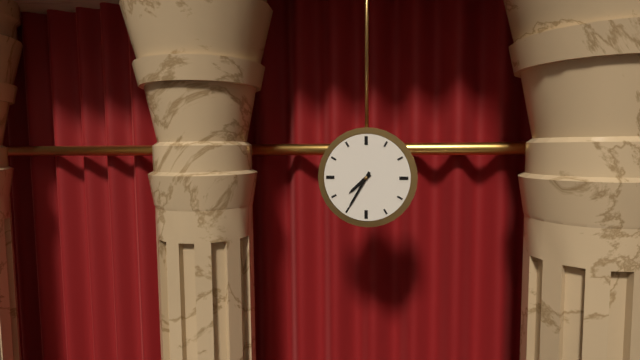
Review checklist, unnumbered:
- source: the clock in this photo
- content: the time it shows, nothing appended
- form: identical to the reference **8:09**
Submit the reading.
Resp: **7:35**
